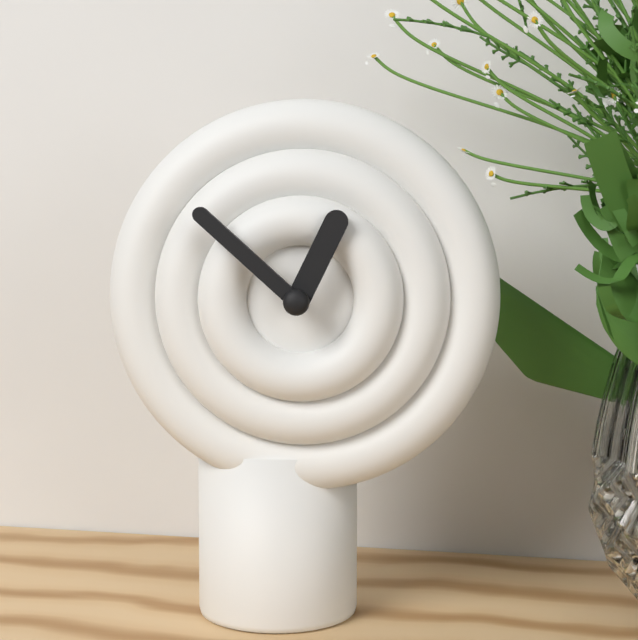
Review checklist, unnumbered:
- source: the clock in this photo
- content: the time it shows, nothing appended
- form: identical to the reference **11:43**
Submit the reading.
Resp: **12:52**
